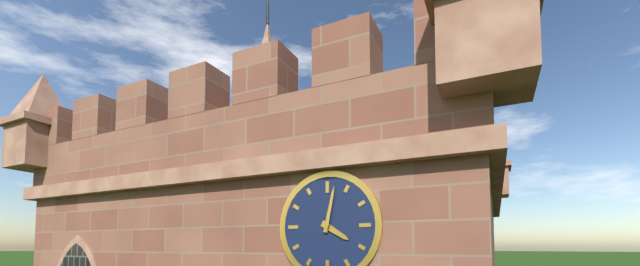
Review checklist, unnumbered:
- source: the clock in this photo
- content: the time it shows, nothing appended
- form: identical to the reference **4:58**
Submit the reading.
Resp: **4:02**
